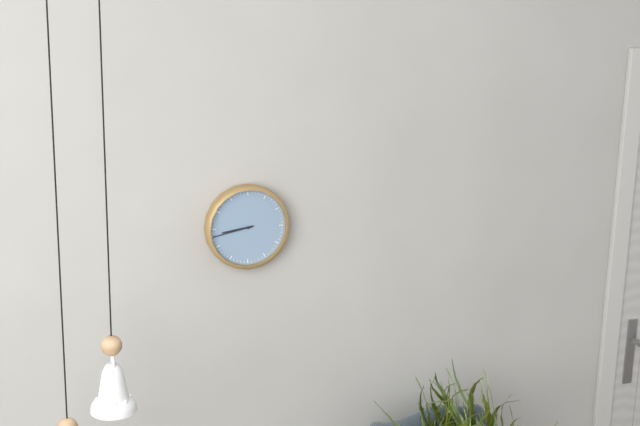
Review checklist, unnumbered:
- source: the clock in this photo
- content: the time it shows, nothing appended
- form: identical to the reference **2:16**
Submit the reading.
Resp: **8:43**
